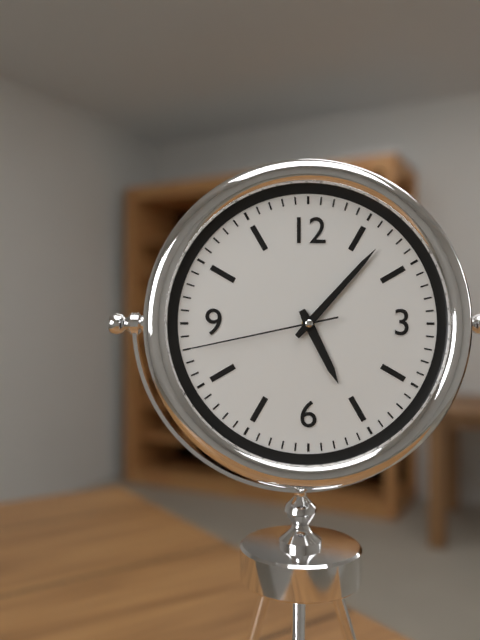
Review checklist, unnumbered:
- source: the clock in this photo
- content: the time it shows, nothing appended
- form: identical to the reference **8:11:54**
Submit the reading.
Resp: **5:07:43**
